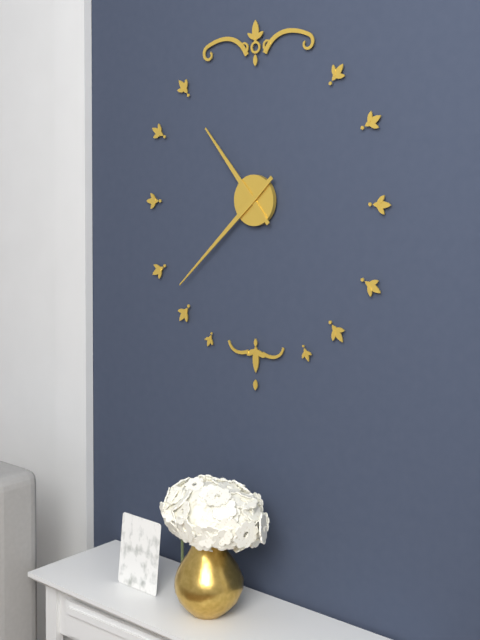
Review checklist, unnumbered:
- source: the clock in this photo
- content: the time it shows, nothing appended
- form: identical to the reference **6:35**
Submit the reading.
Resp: **10:38**
